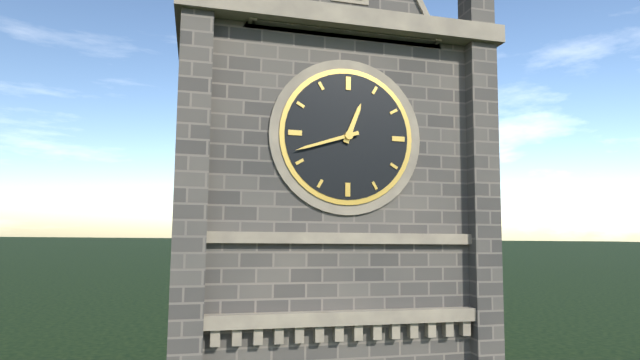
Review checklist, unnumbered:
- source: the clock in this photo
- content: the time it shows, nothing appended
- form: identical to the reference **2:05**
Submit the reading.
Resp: **12:42**
